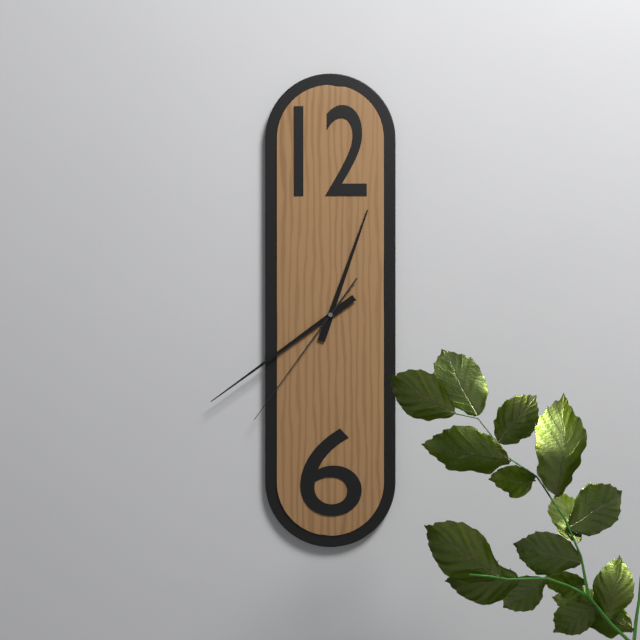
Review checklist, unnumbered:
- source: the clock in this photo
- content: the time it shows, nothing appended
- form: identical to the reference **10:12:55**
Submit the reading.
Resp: **12:39:36**
